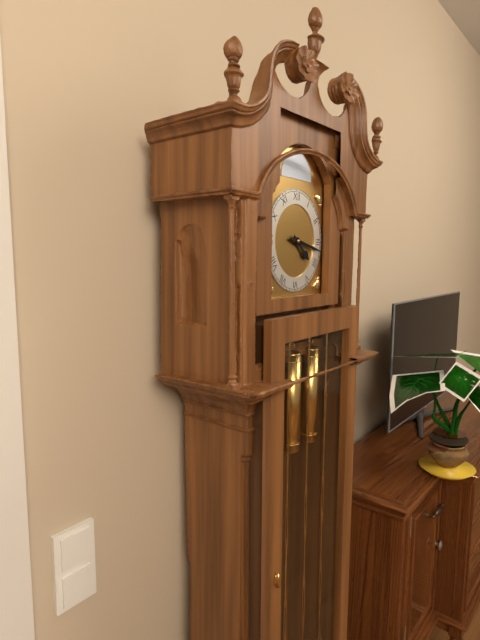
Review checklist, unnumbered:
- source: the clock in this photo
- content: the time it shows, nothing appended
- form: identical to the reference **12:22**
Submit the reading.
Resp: **4:17**
